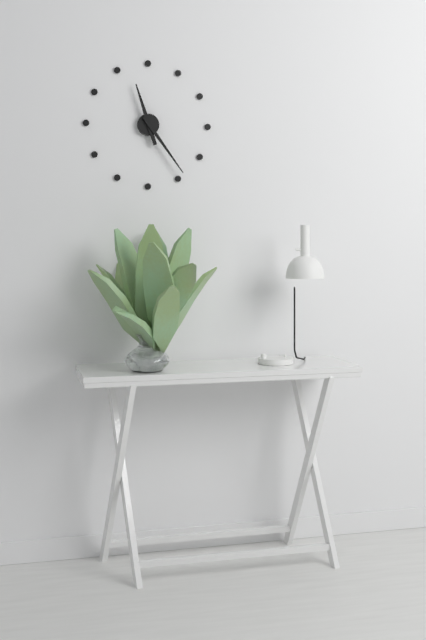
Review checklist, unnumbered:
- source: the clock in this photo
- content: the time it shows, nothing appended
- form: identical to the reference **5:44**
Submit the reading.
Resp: **11:24**
